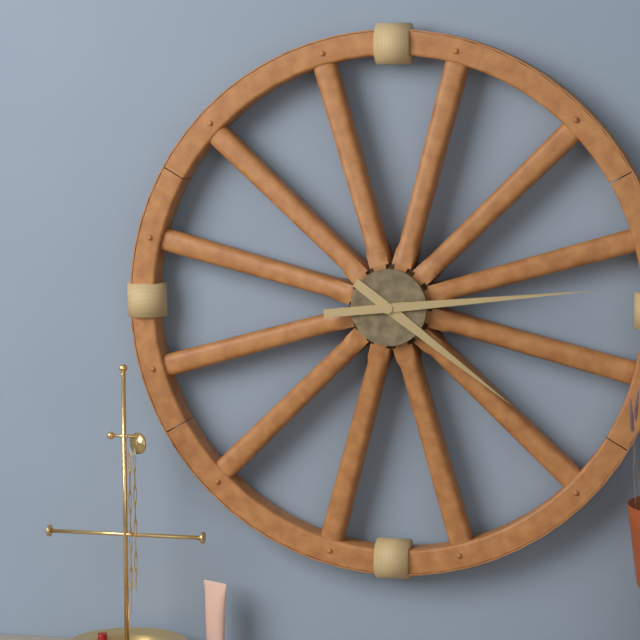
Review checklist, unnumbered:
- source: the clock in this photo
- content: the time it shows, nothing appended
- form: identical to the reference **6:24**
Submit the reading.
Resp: **4:14**
